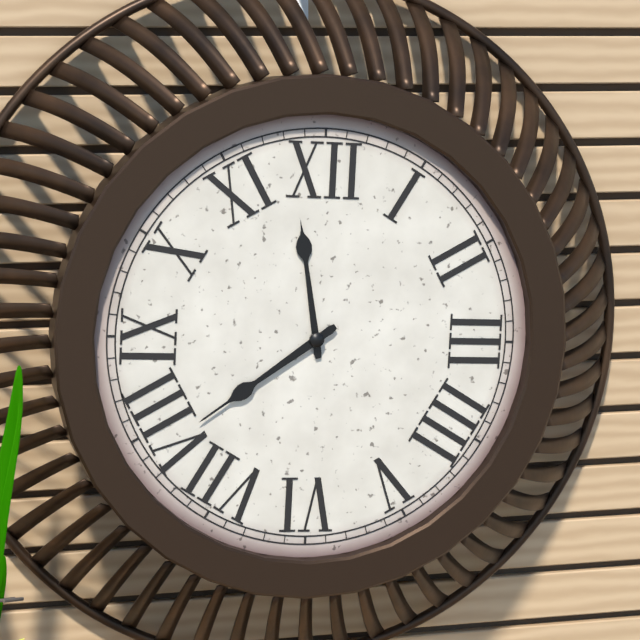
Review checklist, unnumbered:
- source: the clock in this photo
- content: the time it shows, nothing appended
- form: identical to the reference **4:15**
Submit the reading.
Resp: **11:39**
